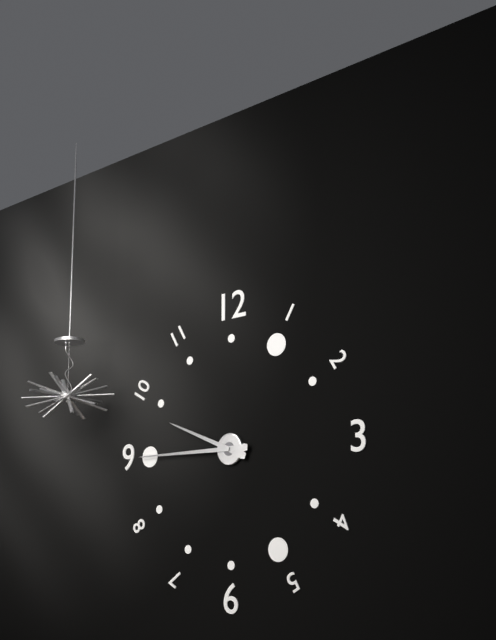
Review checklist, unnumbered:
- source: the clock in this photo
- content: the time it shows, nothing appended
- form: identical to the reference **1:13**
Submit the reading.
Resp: **9:45**
